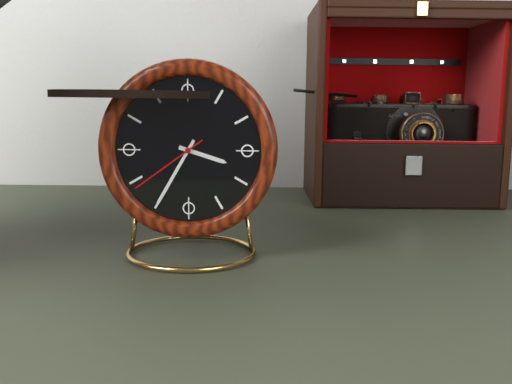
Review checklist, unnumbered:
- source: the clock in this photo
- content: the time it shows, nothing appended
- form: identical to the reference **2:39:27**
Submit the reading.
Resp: **3:35:39**
